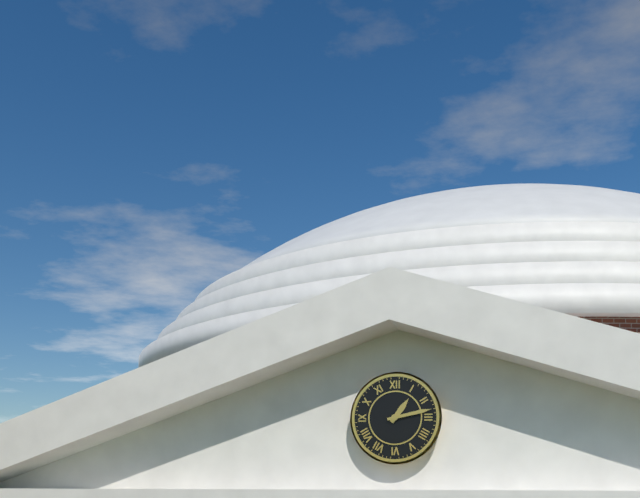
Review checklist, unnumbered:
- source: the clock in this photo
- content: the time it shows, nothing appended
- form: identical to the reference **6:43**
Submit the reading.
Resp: **1:13**
